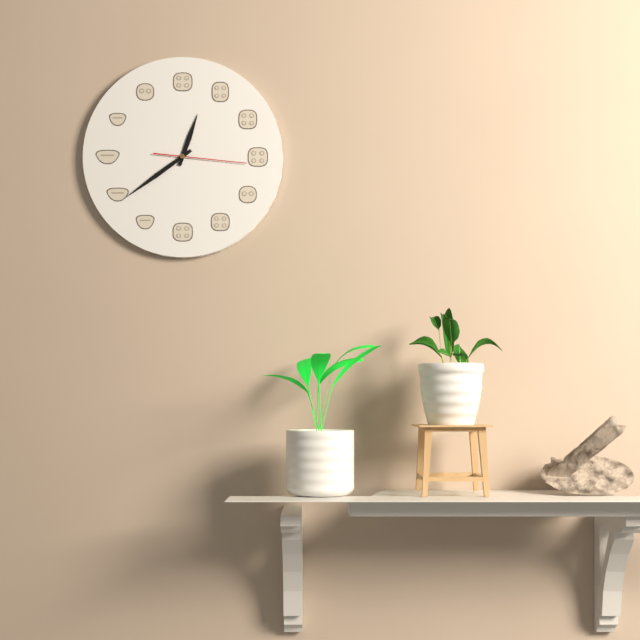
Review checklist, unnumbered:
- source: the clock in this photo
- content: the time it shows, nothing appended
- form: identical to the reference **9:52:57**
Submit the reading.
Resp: **12:39:16**
